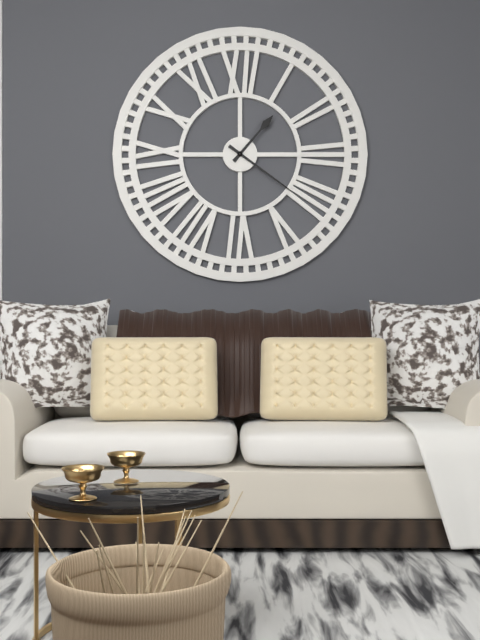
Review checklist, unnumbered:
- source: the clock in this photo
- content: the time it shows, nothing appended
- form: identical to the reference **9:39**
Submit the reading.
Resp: **1:21**
